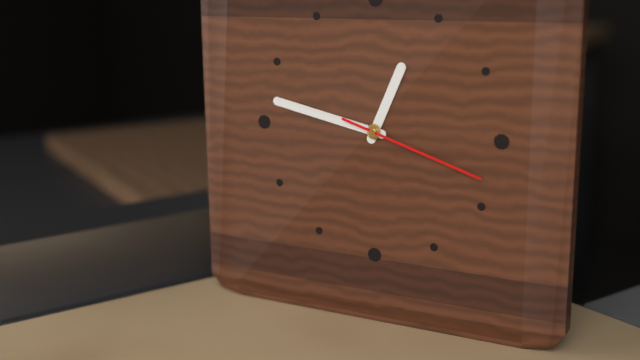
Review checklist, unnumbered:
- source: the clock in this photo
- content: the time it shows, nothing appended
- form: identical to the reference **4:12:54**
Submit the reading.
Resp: **12:47:18**
